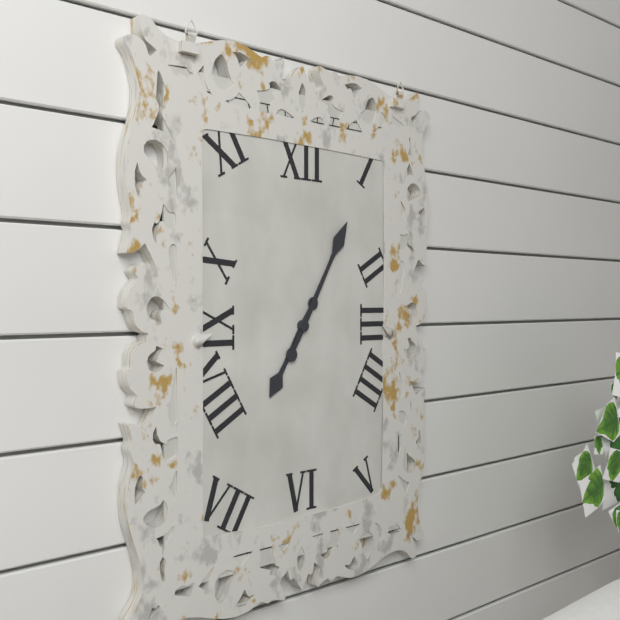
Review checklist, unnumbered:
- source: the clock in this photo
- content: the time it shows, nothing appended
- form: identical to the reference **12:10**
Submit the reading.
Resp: **7:05**
